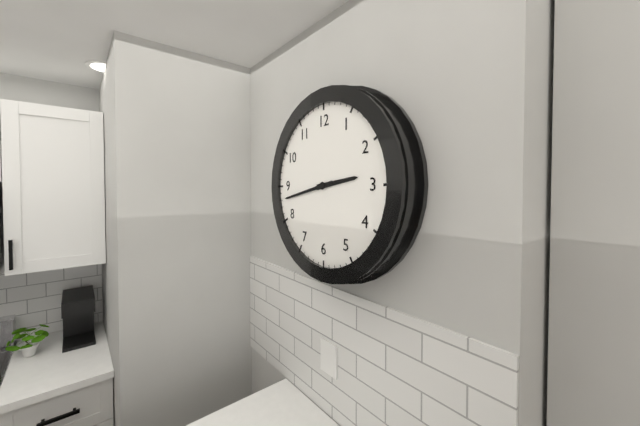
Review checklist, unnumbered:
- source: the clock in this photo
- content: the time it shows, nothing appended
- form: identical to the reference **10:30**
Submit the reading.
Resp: **2:43**
